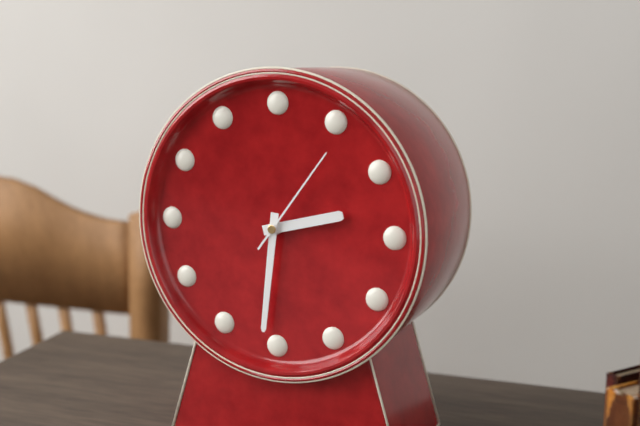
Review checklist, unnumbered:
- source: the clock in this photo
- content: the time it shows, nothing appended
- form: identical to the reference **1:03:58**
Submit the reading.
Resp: **2:31:06**
